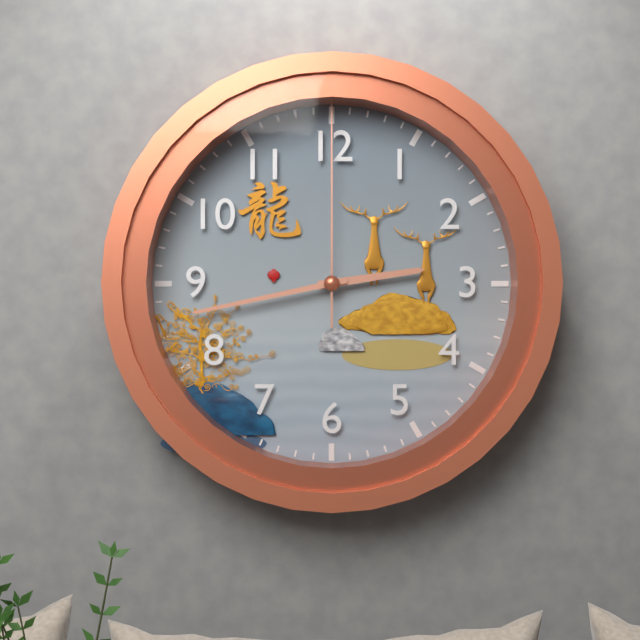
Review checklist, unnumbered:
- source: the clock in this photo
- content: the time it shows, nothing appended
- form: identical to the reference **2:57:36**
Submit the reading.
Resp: **2:43:00**
